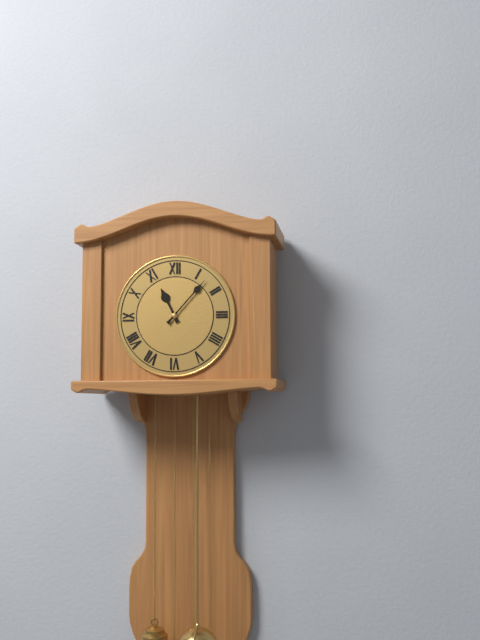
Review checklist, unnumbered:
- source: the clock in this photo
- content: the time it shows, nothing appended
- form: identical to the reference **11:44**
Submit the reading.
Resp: **11:07**
